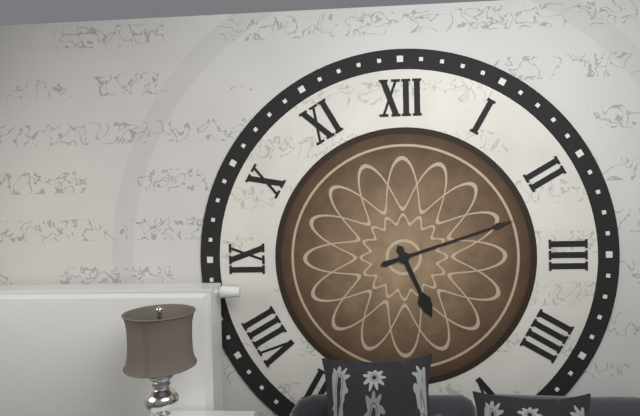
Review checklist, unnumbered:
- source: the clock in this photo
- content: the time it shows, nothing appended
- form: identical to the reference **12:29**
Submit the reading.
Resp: **5:12**
